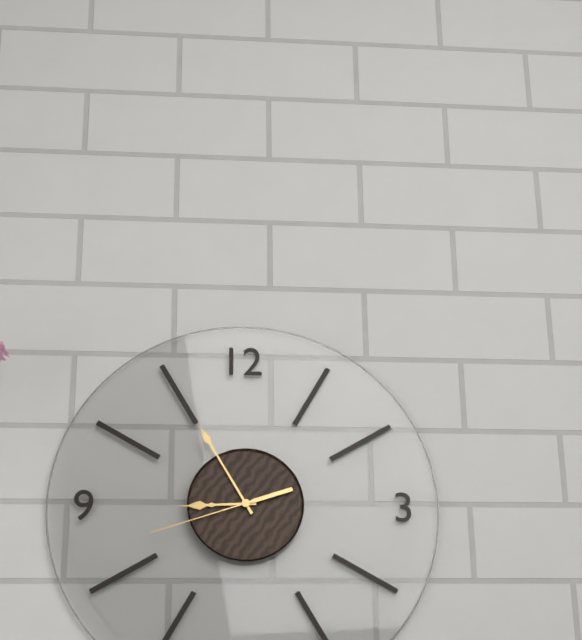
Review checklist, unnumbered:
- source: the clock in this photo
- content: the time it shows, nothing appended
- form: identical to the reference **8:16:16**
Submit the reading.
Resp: **8:55:42**
